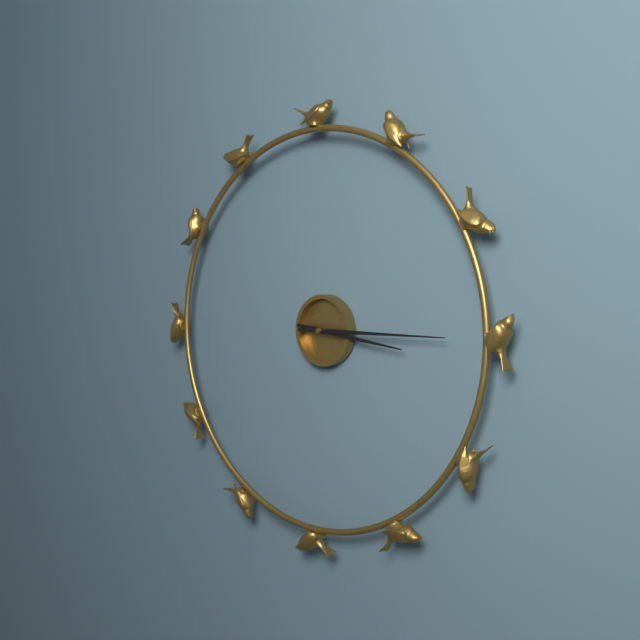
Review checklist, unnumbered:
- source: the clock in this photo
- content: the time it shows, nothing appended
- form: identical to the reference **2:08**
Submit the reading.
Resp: **3:15**
